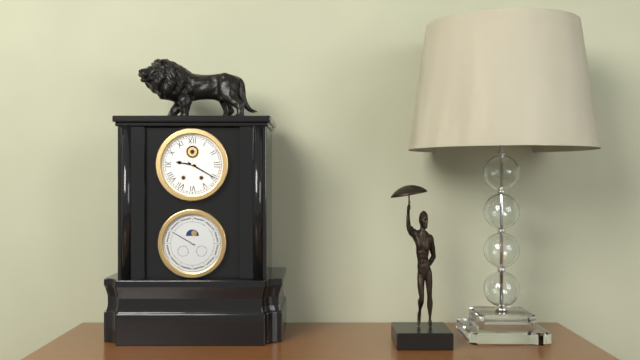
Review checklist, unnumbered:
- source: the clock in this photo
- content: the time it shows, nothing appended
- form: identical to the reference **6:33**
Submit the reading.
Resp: **9:20**
